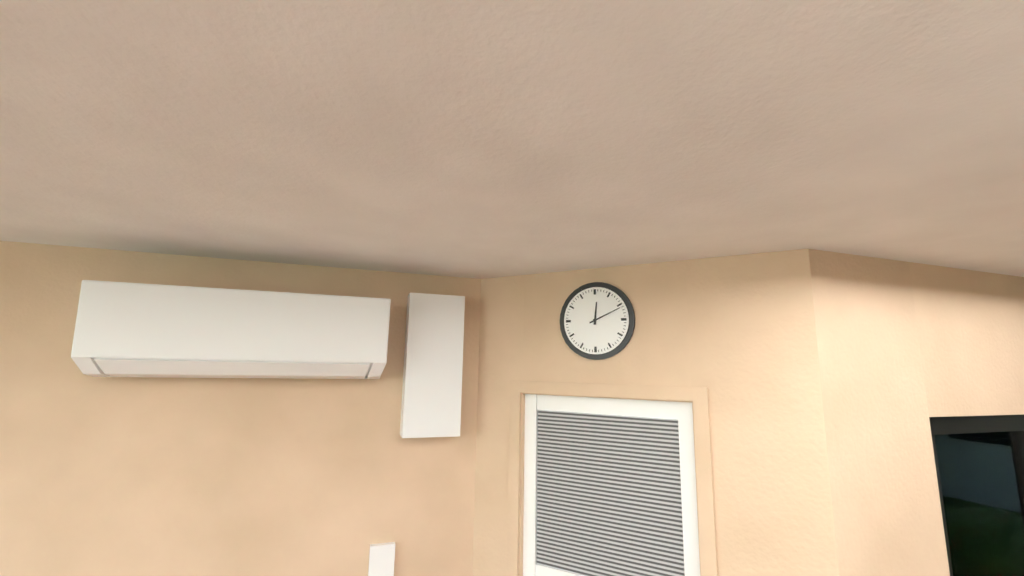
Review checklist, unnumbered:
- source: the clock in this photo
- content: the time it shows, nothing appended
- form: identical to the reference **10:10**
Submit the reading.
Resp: **12:11**
